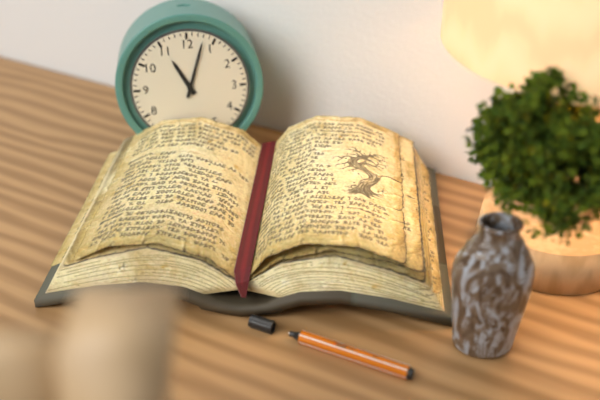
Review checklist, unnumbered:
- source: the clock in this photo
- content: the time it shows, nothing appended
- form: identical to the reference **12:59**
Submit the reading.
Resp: **11:03**
